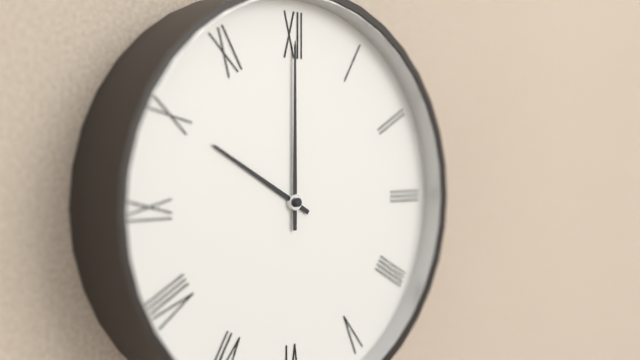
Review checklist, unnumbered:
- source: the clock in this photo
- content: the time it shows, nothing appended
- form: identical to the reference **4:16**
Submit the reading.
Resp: **10:00**
